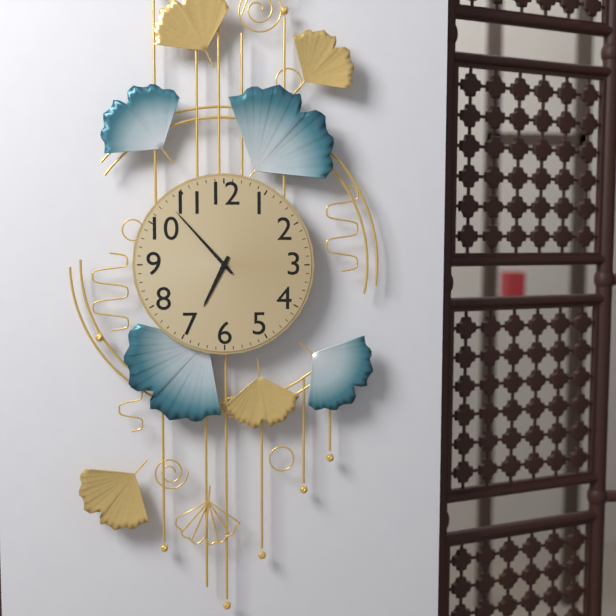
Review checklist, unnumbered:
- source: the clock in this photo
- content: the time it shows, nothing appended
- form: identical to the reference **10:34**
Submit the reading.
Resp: **6:53**
